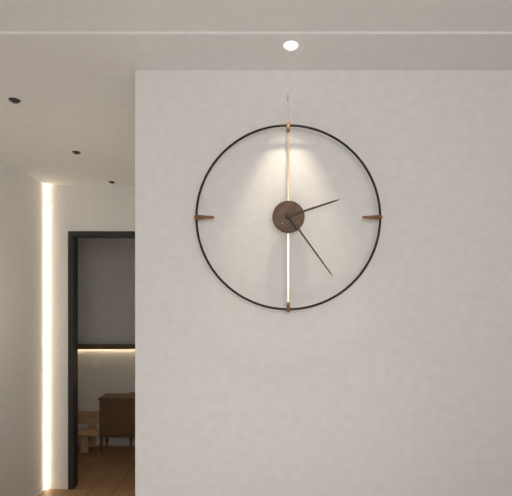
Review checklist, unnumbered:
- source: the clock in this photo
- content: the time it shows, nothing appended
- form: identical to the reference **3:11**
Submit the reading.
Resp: **2:24**
